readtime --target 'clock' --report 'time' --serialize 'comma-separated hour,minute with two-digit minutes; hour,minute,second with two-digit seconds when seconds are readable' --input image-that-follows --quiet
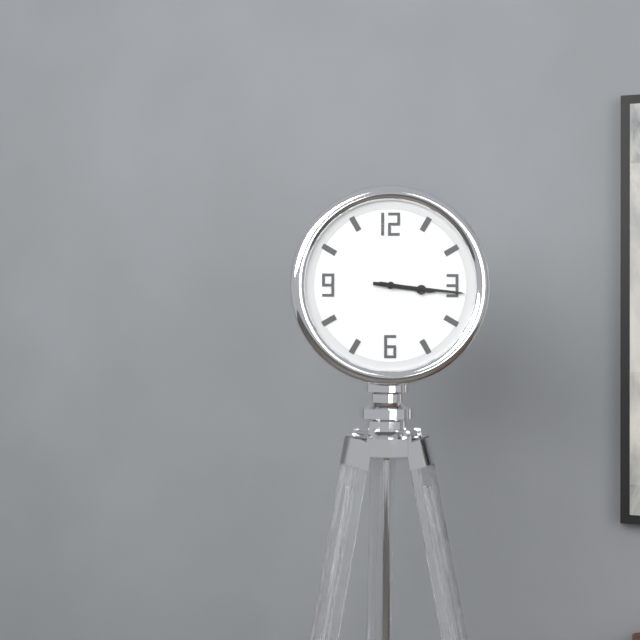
3,16
